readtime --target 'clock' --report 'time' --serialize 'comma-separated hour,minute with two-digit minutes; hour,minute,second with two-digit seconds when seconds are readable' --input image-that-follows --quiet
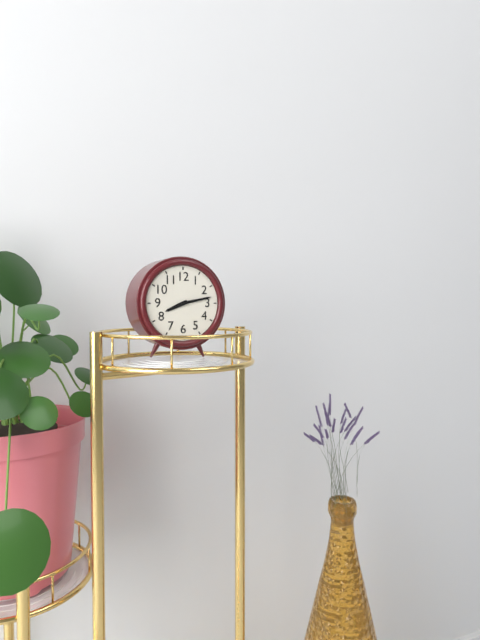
8,13
